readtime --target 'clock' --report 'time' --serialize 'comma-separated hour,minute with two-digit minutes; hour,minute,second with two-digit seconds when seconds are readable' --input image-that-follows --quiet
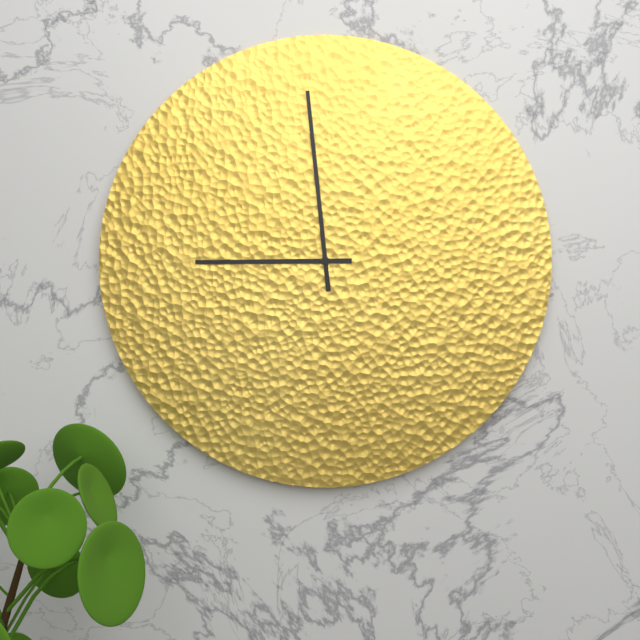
8,59
